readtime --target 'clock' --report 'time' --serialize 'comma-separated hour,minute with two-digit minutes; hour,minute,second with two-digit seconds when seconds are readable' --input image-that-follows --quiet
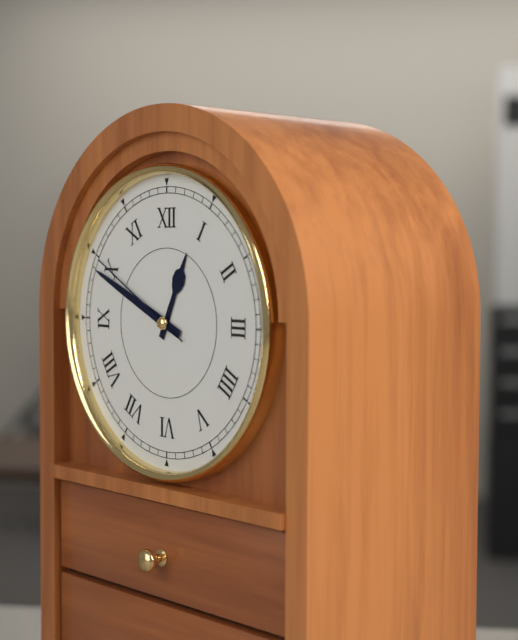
12,49,50
